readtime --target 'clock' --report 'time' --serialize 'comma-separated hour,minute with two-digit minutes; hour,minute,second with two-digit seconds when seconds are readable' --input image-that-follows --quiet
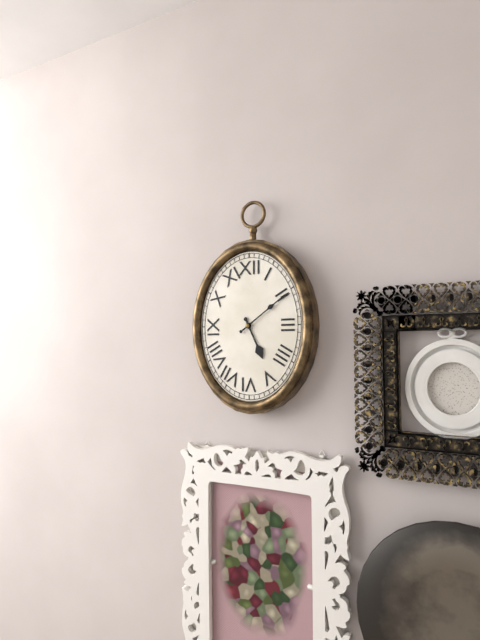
5,09
